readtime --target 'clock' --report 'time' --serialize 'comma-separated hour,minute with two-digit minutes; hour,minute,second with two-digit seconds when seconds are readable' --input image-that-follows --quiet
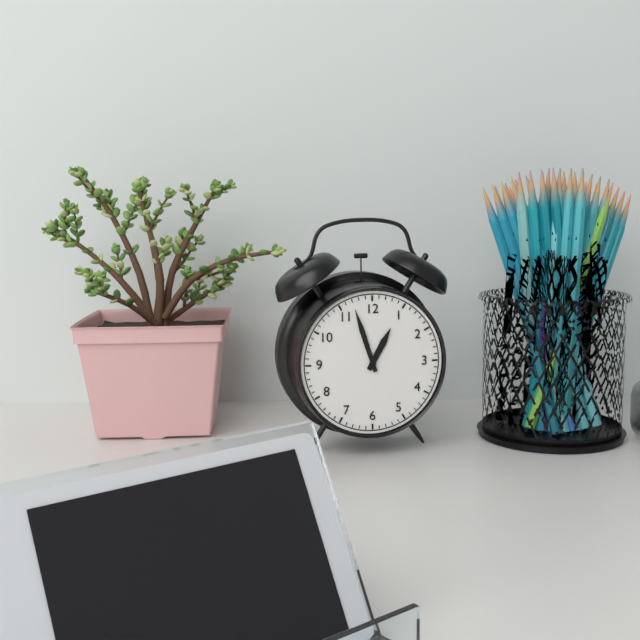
12,57
